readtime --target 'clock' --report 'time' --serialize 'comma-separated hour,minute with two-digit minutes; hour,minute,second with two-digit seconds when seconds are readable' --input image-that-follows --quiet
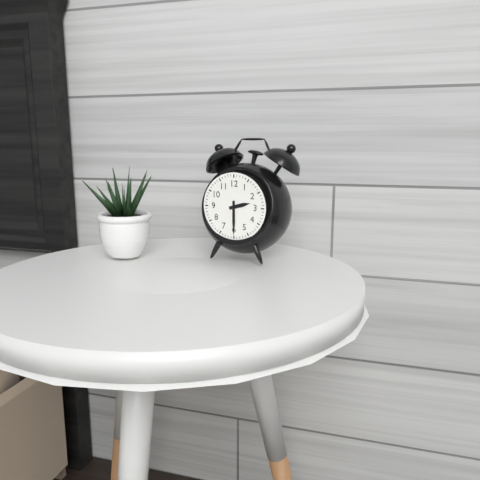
2,30
